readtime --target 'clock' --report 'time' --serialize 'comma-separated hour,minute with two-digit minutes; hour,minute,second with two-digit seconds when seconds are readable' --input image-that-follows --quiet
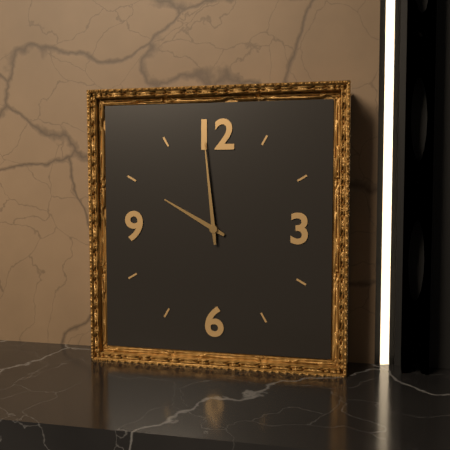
9,59
